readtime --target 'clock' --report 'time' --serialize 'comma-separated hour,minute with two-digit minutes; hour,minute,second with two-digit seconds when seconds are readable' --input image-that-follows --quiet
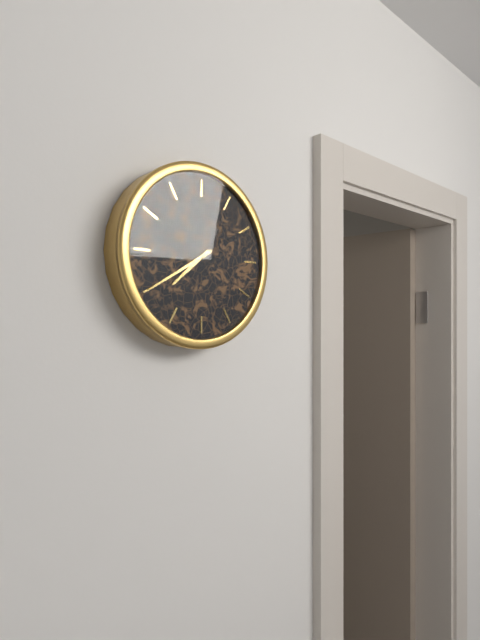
7,40
